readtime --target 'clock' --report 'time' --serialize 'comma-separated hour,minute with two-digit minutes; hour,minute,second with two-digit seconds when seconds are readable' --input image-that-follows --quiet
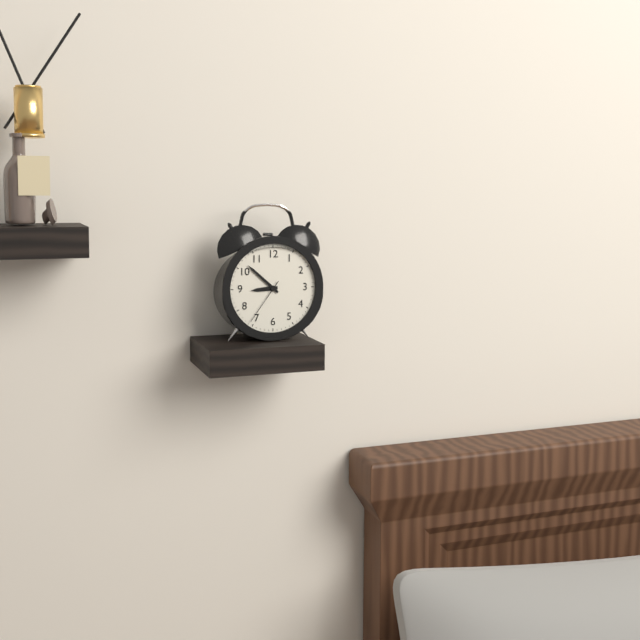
8,52,36
